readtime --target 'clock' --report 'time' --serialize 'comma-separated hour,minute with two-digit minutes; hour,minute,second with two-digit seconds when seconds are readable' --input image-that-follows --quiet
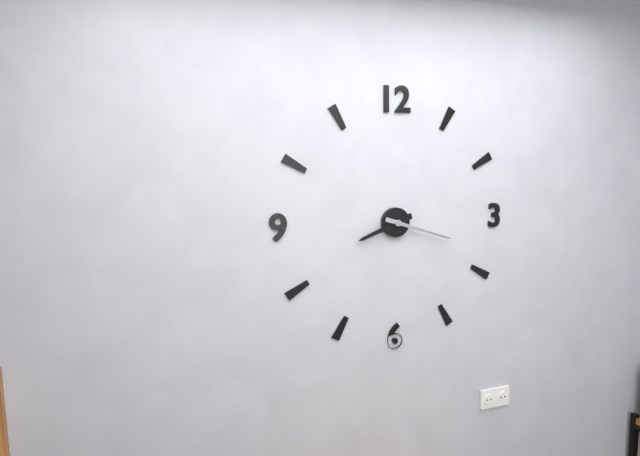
8,18
